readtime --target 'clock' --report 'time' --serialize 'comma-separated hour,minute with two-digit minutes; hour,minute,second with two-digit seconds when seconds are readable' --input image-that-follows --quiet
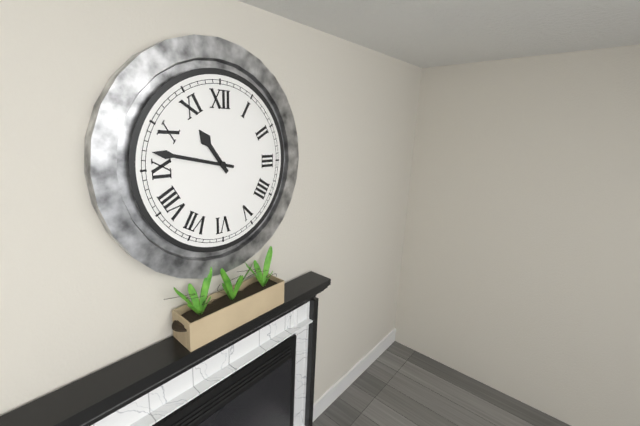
10,47
